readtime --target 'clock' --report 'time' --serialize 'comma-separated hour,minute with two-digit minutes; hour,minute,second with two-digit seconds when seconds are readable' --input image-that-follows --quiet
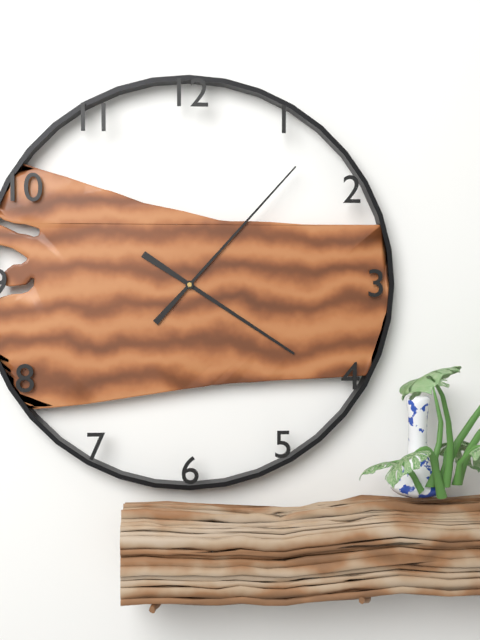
4,07
